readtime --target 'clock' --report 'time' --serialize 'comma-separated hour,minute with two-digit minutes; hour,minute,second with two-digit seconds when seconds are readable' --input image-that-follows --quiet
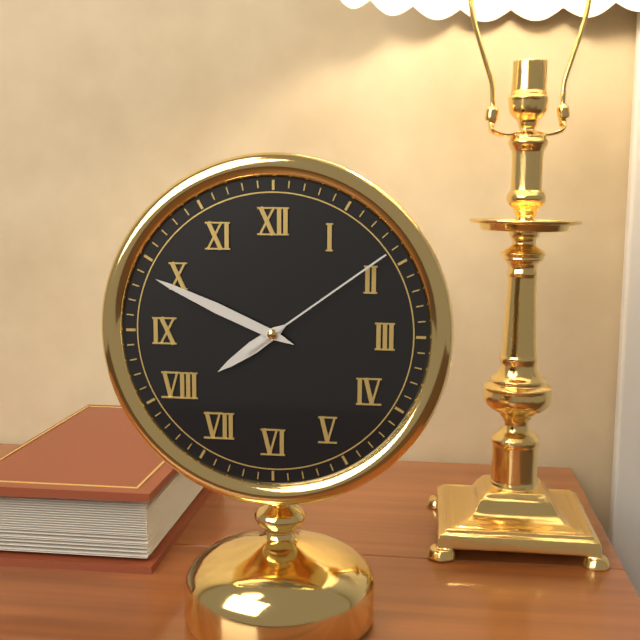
7,49,09
